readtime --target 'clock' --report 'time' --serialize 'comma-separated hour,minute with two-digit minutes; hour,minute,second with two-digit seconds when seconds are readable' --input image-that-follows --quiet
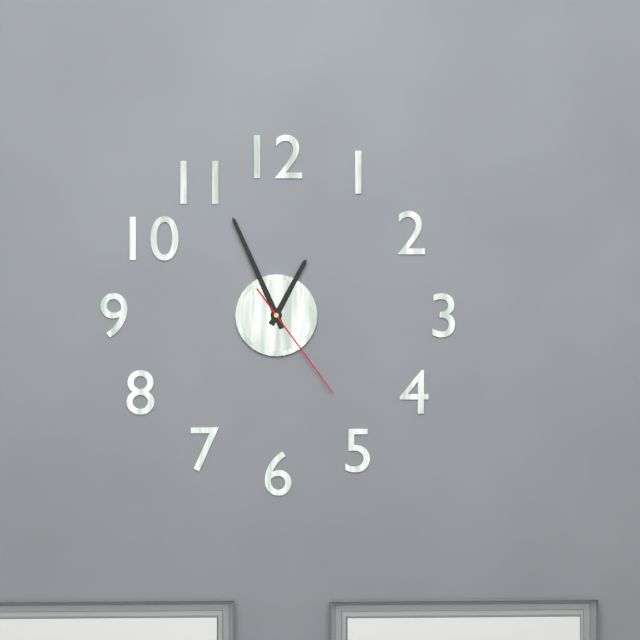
12,56,24
